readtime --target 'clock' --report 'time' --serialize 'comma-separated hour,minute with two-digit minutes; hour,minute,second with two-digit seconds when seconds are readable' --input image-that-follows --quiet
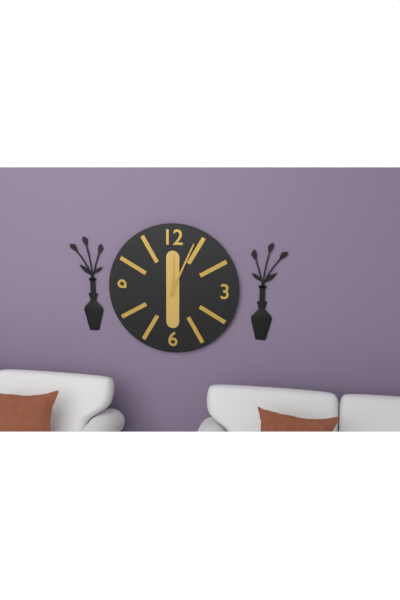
12,04
